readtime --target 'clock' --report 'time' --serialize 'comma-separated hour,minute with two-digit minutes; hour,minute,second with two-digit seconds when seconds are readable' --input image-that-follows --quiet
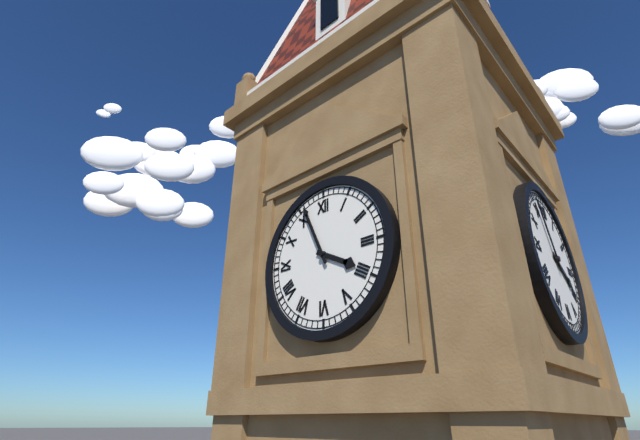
3,56
